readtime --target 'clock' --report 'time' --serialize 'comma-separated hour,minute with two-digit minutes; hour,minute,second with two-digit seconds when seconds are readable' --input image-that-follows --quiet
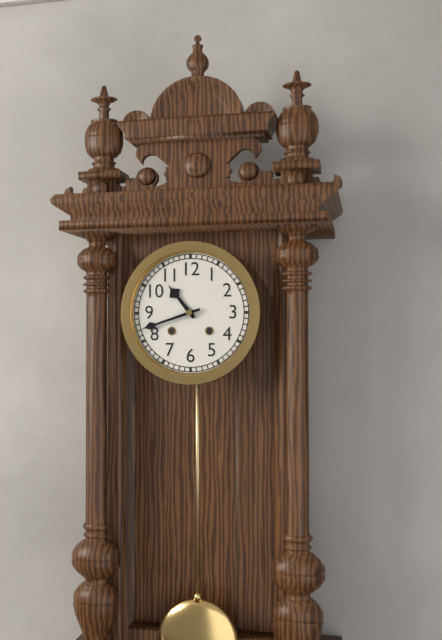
10,42
